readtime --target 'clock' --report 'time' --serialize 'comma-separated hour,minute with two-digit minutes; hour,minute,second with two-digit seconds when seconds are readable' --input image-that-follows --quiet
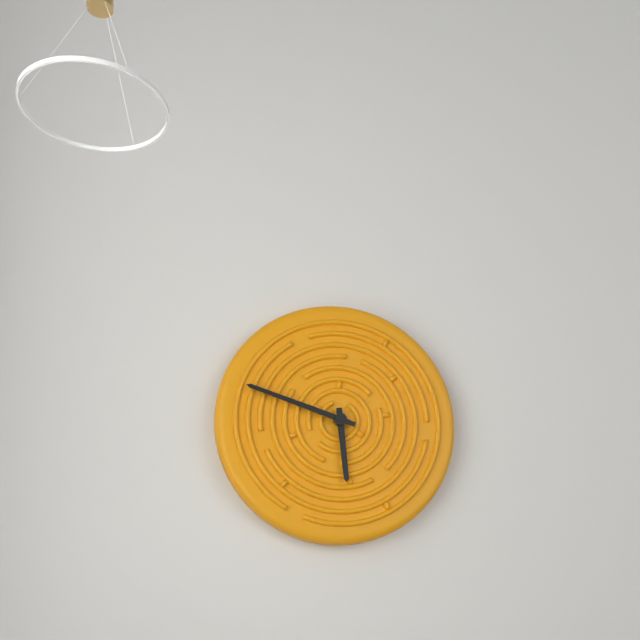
5,48
